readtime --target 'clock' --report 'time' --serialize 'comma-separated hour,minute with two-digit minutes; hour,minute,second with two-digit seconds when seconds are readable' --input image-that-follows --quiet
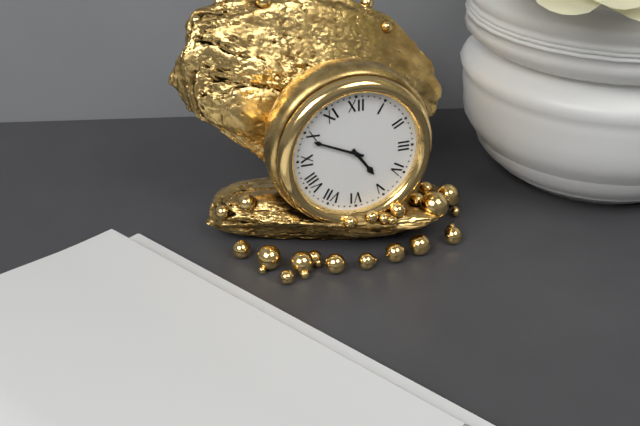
4,49
